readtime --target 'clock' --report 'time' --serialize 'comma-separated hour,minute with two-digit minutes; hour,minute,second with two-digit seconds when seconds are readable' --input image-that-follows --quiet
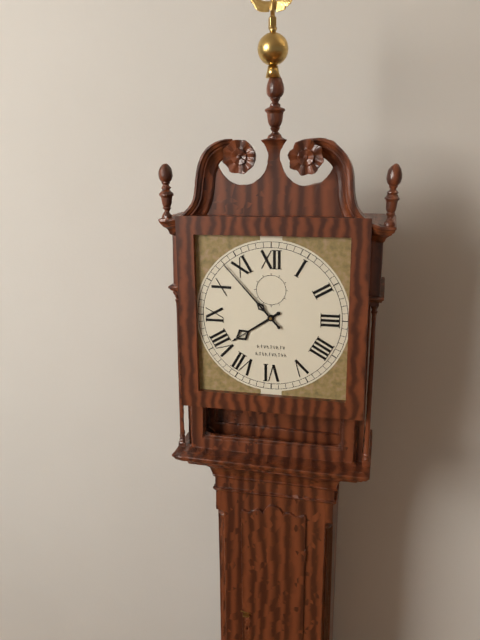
7,53
